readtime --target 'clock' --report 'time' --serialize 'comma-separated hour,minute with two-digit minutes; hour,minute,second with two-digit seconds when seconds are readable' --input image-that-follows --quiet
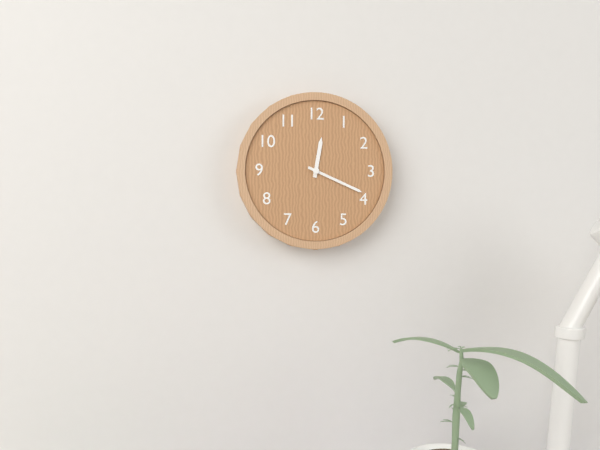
12,19
